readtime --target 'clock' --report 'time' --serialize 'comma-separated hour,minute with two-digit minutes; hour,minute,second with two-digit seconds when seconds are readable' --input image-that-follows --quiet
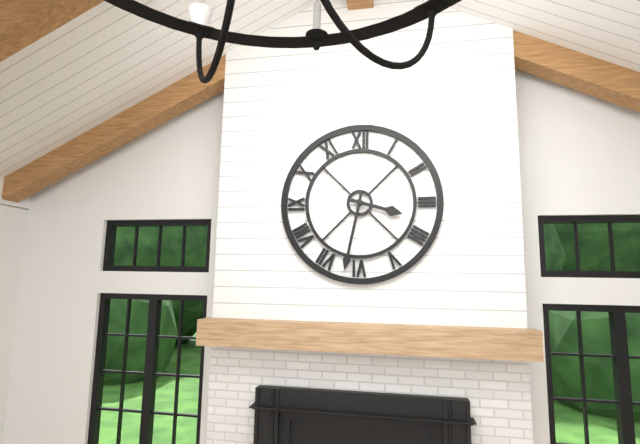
3,32
